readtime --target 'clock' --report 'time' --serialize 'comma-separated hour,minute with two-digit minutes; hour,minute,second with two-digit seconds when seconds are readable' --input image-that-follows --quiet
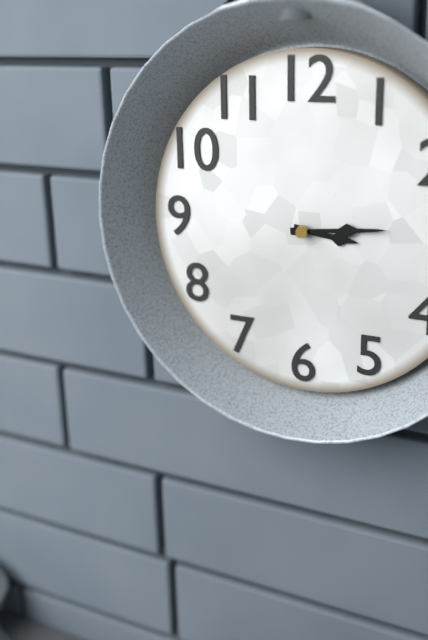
3,14
